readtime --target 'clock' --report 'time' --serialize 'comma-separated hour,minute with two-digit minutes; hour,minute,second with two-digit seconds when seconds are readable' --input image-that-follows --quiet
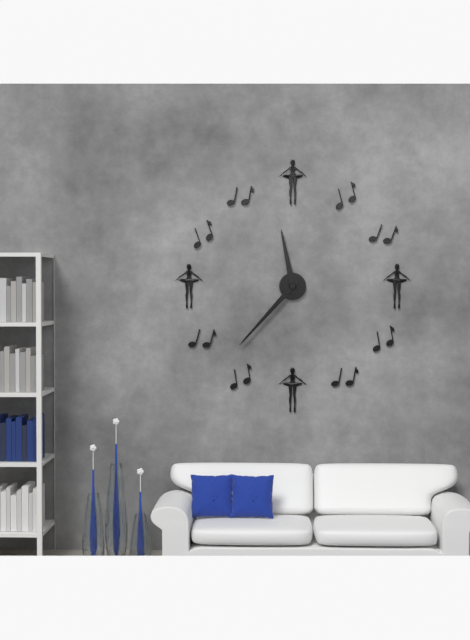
11,37
